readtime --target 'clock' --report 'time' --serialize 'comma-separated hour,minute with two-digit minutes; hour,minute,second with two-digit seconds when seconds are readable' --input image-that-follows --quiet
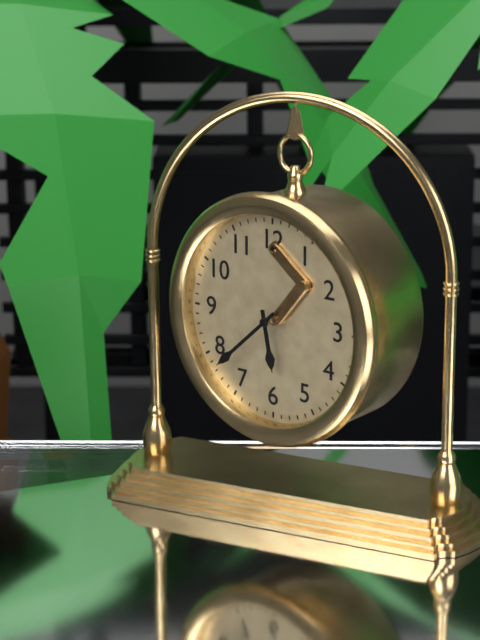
5,38
